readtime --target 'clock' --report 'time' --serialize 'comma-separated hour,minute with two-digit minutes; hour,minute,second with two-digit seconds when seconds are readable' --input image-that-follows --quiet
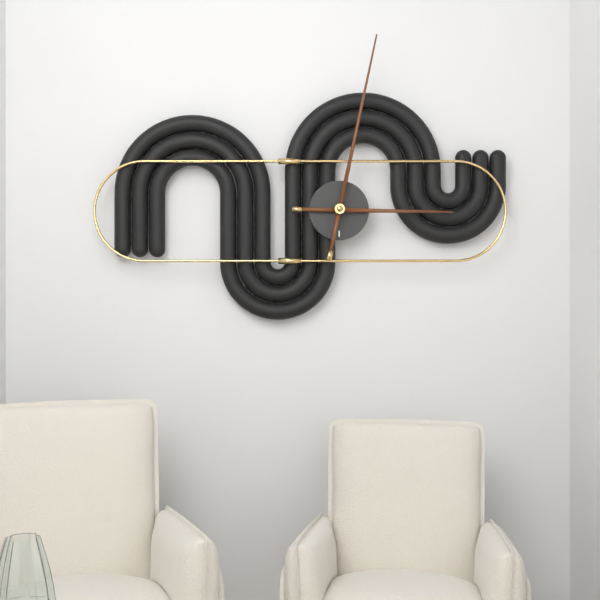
3,02
